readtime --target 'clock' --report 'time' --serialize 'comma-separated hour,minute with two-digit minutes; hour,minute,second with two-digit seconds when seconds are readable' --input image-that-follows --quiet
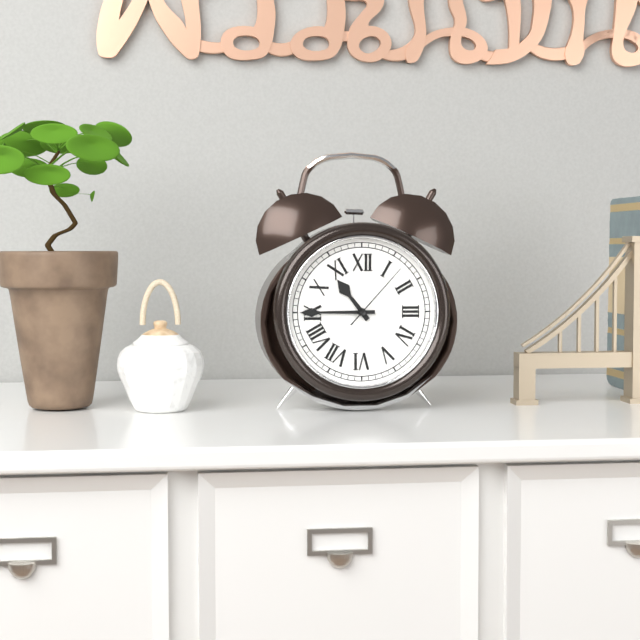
10,45,07
